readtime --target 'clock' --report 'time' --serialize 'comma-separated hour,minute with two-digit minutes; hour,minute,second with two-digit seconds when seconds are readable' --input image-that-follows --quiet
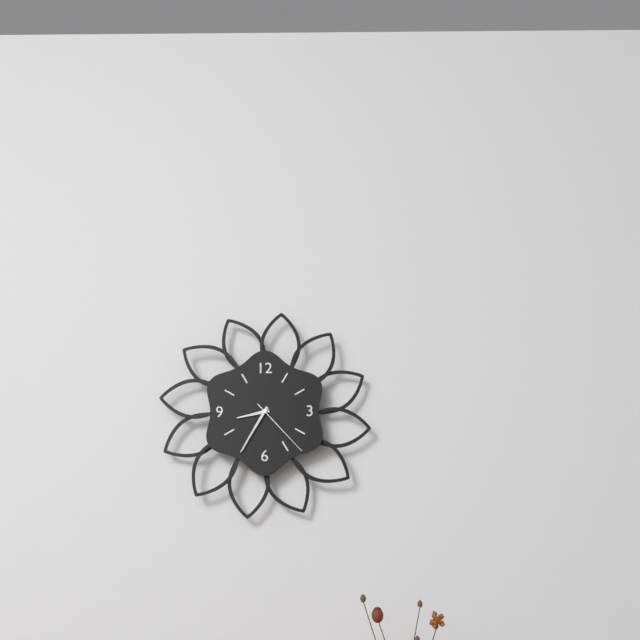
8,35,23
